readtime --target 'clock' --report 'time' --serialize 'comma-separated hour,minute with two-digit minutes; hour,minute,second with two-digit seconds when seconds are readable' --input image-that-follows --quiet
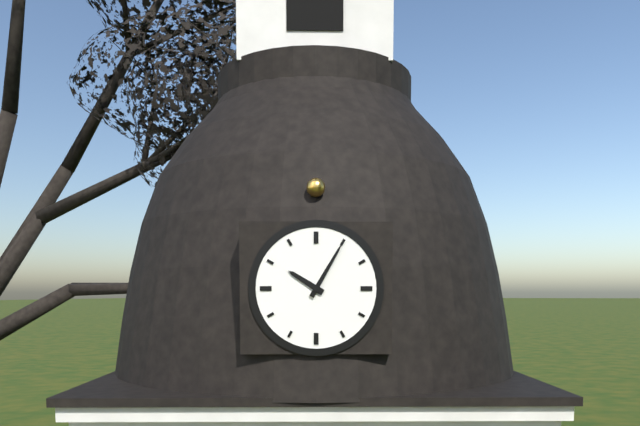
10,05
